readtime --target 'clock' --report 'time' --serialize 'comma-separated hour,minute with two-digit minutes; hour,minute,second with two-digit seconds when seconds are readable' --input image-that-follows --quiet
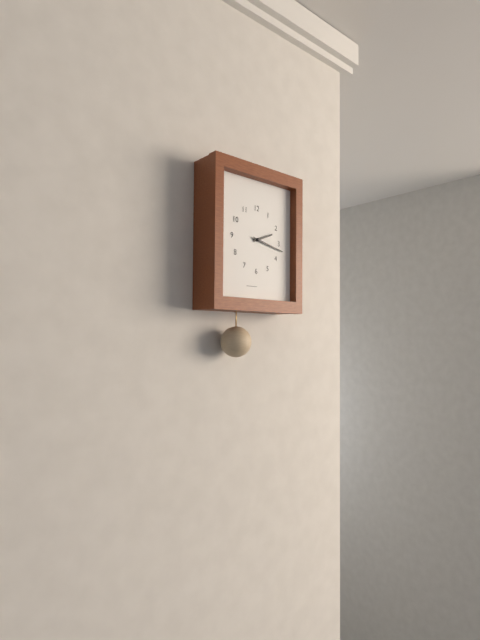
2,17
